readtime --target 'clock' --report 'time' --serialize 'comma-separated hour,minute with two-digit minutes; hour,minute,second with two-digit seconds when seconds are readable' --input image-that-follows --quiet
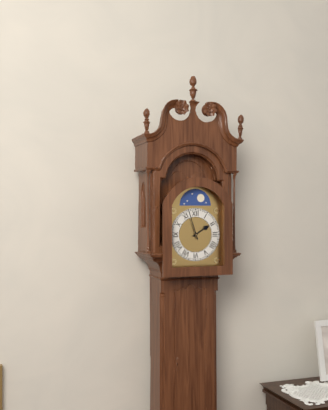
1,57
